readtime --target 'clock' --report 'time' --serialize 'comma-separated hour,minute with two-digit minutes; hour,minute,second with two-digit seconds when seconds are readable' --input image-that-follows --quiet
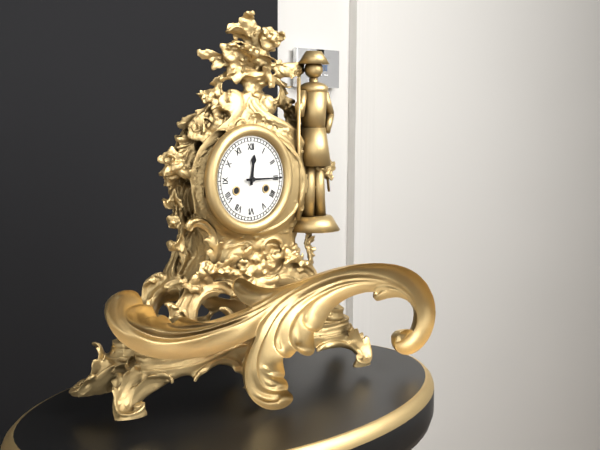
12,15
